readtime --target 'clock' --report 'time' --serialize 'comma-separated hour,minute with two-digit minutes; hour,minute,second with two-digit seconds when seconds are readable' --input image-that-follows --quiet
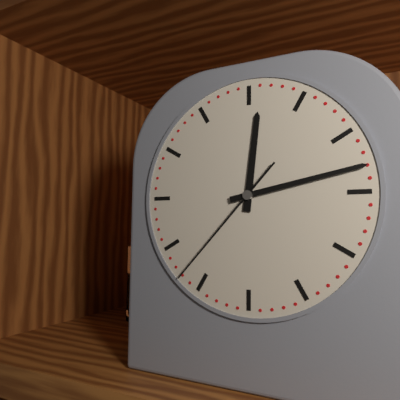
12,13,37
